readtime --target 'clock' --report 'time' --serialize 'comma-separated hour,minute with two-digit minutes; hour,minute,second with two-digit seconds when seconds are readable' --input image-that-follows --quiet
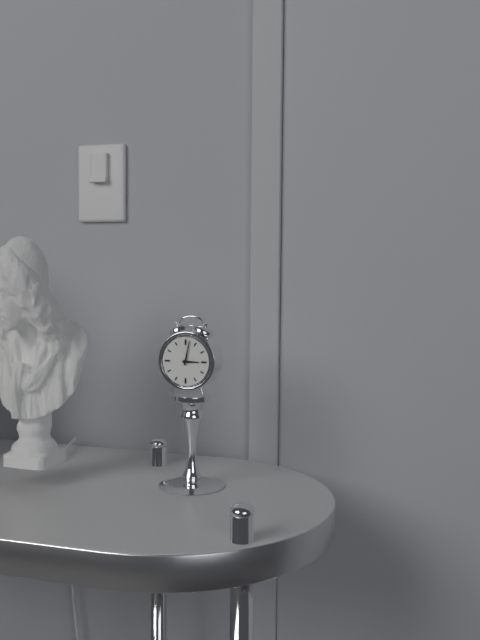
3,02
